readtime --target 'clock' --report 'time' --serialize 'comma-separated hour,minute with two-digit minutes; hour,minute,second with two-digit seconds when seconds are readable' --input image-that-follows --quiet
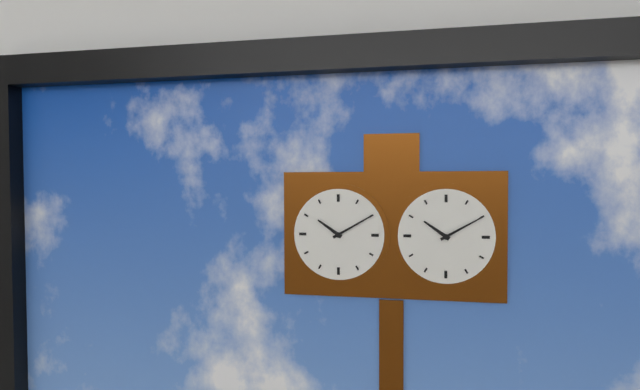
10,10
